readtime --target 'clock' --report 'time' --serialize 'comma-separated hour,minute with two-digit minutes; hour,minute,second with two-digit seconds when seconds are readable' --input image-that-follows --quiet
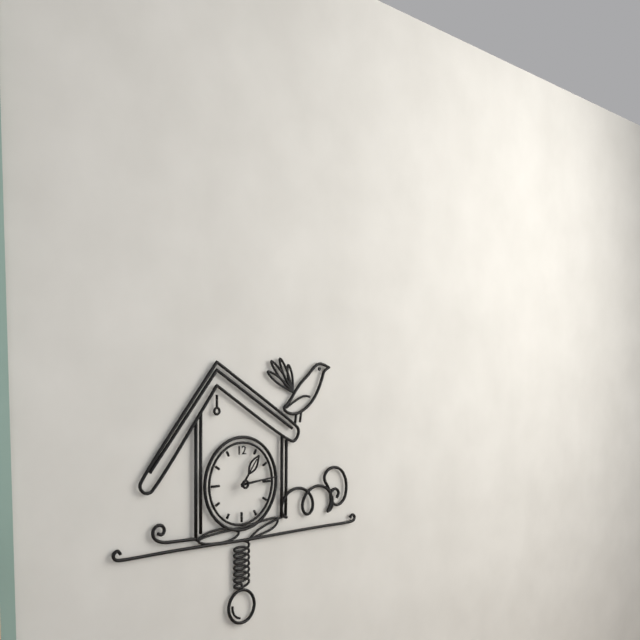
1,14
